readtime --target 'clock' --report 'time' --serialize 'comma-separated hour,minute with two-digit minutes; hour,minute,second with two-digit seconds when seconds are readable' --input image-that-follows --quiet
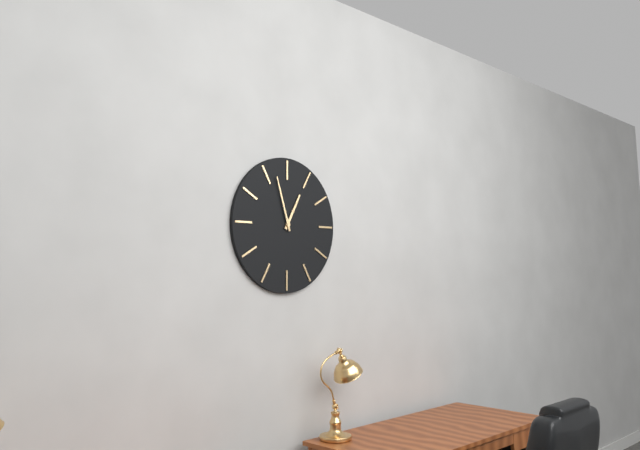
12,57
